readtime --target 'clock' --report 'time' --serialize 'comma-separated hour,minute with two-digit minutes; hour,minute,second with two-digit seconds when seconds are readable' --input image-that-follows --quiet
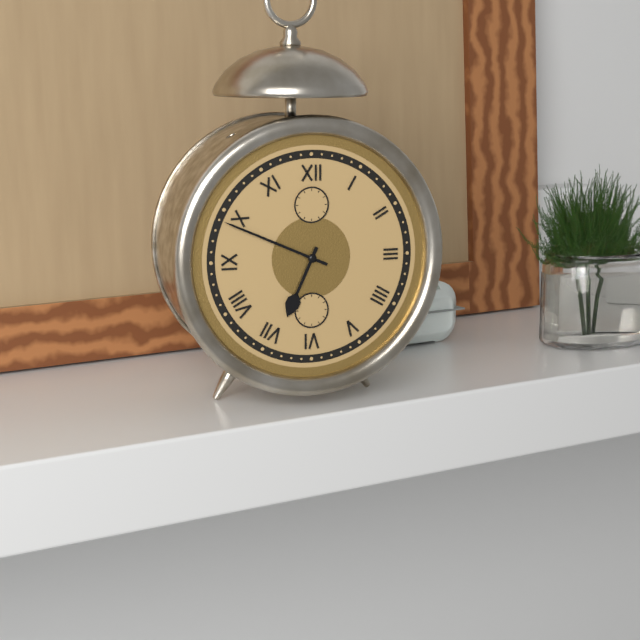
6,49
